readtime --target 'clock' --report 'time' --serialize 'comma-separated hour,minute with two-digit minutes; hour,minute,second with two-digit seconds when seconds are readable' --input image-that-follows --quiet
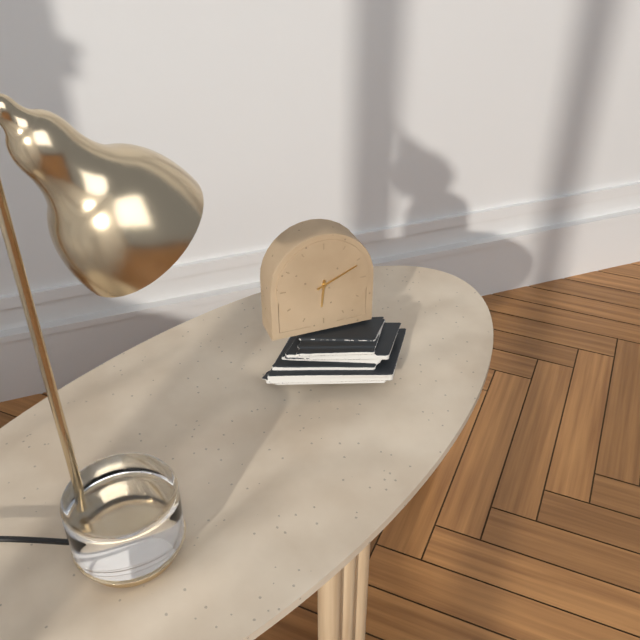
6,11
